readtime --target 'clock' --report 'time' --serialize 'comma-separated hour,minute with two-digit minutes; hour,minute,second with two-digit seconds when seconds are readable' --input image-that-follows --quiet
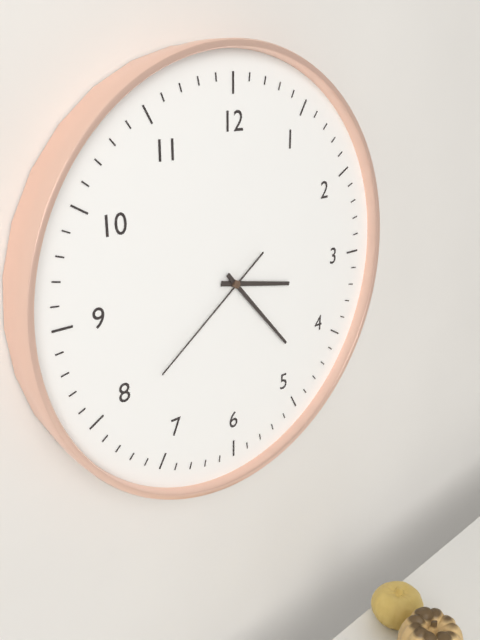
3,23,39
